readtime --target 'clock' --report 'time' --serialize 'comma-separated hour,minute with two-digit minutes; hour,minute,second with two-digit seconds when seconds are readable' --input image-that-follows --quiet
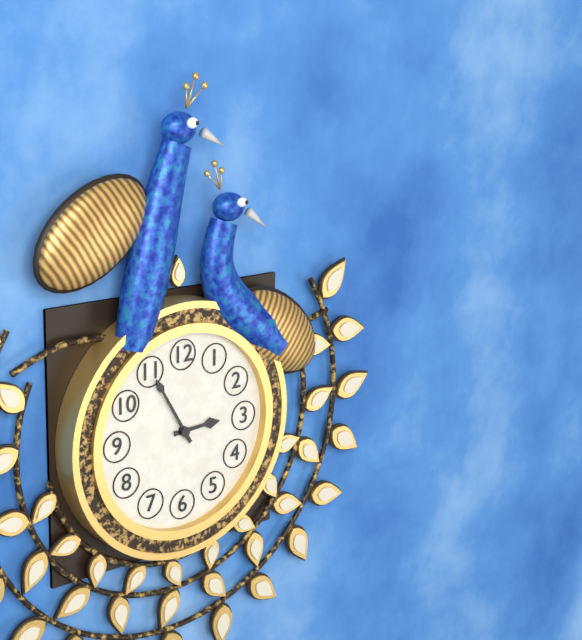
2,55
